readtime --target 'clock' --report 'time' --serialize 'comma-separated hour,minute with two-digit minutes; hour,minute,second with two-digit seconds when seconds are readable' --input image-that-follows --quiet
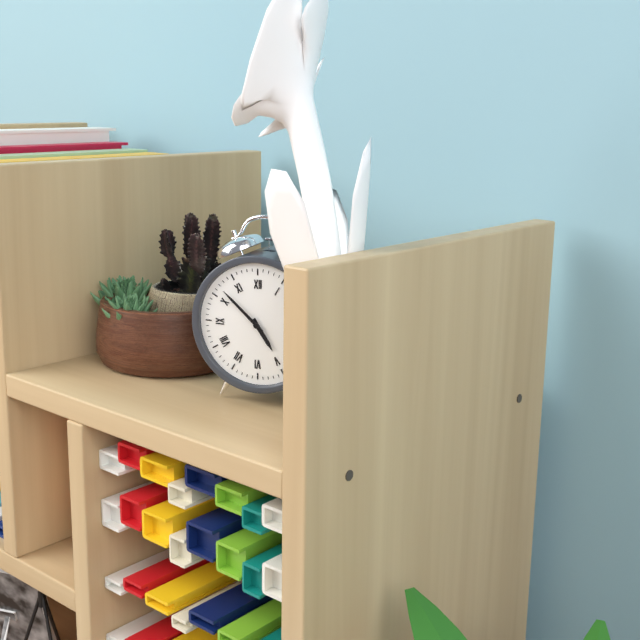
4,52
